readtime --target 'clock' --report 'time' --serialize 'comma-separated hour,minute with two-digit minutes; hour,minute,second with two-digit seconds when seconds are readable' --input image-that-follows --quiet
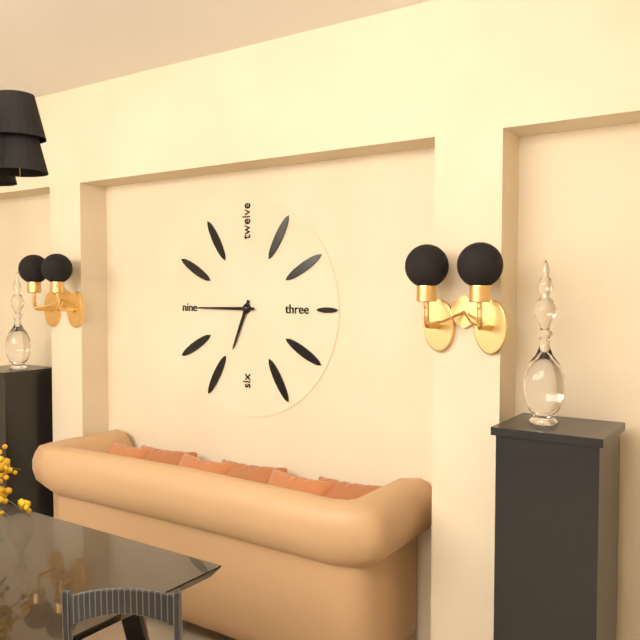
6,45
